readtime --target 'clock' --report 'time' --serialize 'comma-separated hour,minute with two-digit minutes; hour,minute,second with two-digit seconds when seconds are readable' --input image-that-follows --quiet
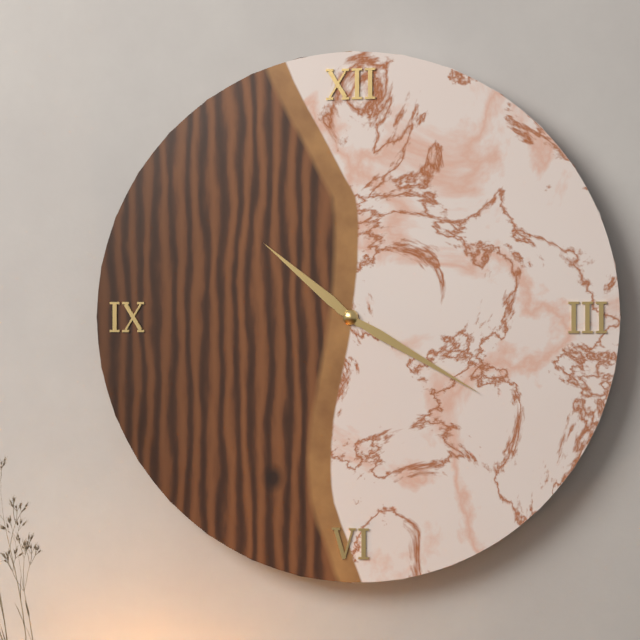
10,20
